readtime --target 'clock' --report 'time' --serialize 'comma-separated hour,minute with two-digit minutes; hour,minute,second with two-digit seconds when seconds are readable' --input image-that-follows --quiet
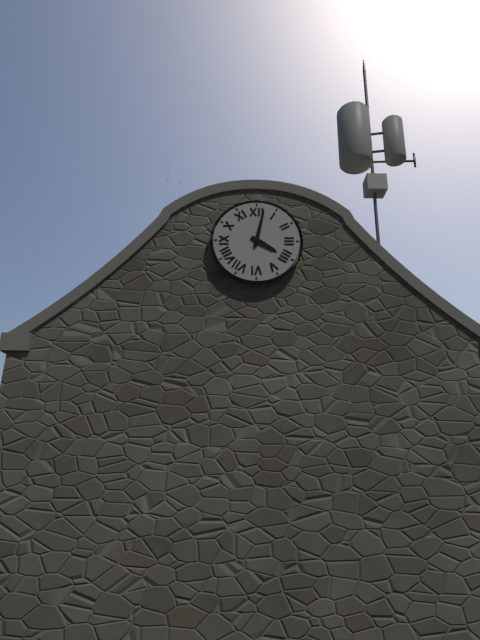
4,02
